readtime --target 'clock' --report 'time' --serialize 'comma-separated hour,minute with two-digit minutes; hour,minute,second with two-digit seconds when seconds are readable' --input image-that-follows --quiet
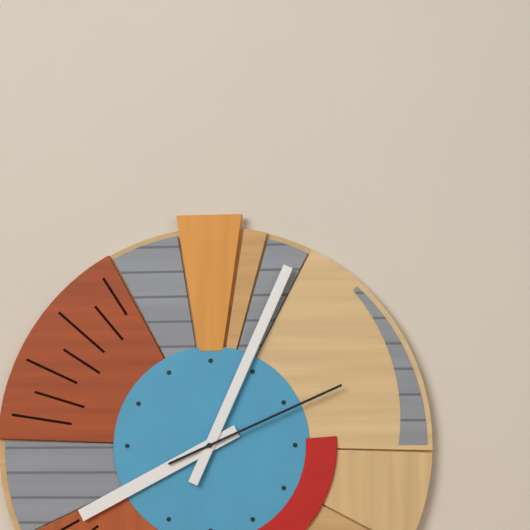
8,04,11
